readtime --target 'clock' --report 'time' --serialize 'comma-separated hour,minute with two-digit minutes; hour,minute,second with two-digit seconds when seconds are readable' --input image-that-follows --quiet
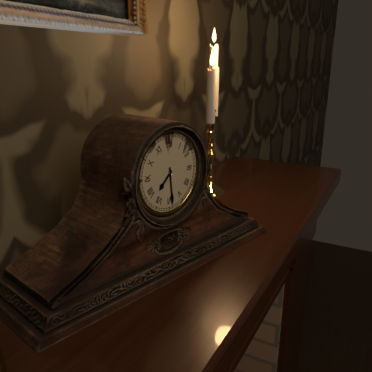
7,29
